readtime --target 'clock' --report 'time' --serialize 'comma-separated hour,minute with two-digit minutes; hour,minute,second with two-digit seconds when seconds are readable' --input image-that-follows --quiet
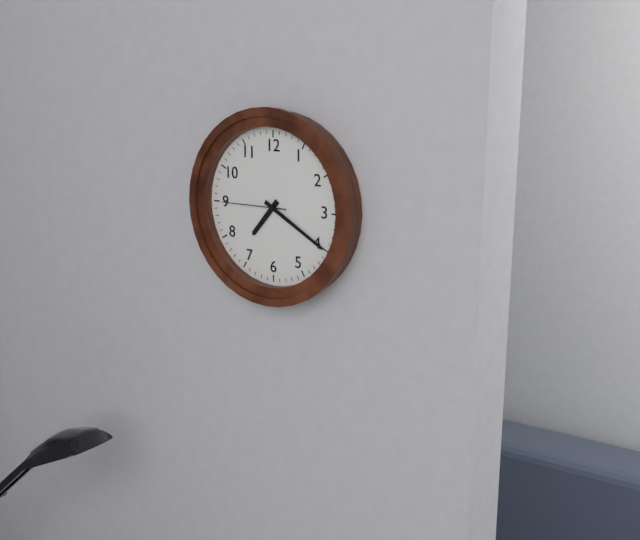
7,20,45
